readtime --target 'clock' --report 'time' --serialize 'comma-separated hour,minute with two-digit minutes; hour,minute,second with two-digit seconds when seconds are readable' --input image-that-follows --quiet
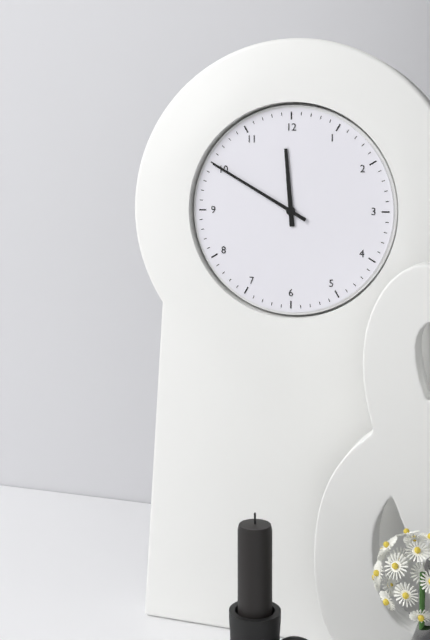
11,50
